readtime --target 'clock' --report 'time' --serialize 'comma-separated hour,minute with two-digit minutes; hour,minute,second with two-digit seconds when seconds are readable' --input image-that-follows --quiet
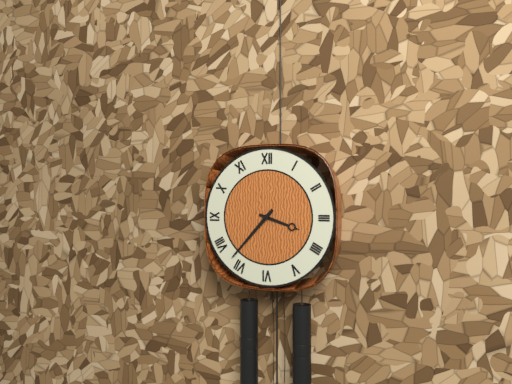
3,37
